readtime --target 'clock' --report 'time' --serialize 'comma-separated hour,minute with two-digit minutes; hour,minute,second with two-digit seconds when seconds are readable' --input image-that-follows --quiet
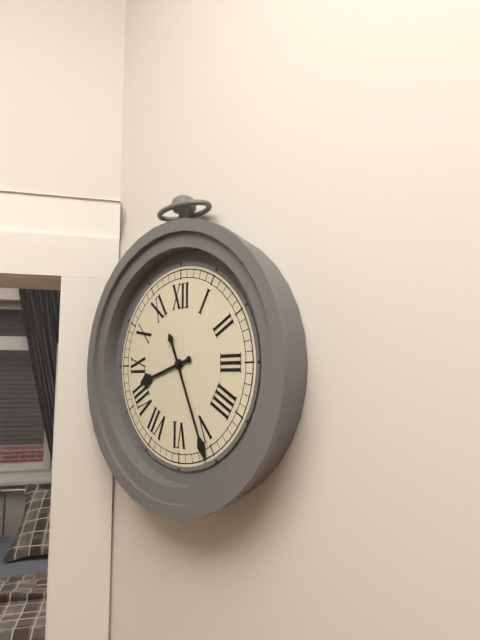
8,26
